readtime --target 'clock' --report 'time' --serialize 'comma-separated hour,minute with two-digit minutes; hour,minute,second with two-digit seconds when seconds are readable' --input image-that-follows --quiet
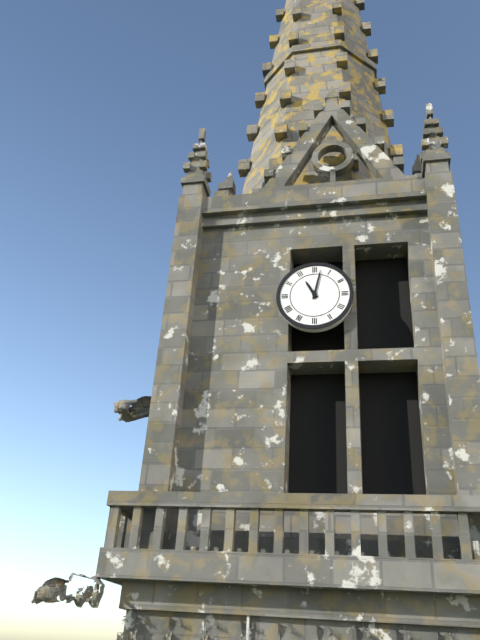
11,02
